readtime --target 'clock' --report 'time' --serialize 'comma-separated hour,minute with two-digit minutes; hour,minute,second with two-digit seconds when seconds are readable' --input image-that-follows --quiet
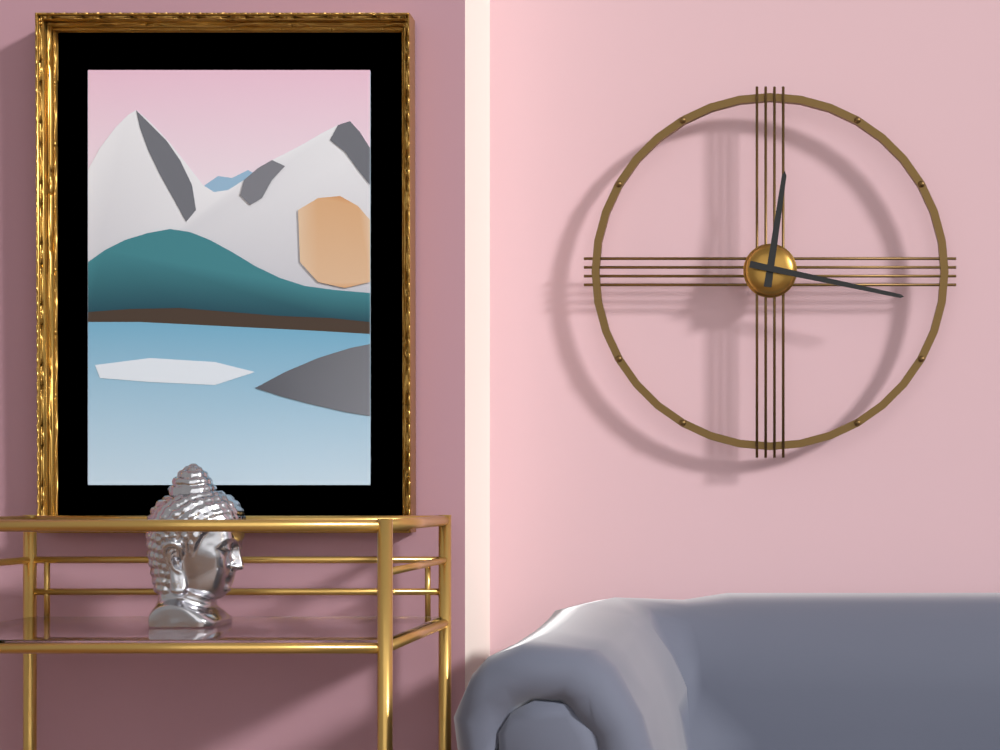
12,17
